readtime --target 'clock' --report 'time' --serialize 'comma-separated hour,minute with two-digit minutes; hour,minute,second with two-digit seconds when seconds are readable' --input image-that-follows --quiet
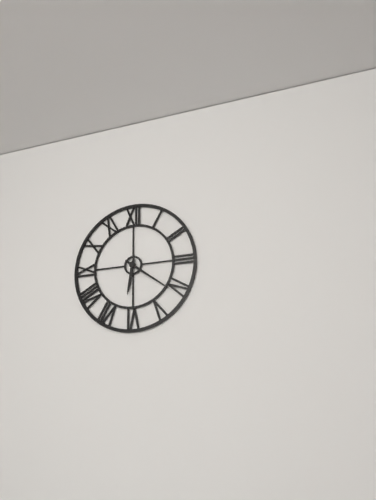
6,21
